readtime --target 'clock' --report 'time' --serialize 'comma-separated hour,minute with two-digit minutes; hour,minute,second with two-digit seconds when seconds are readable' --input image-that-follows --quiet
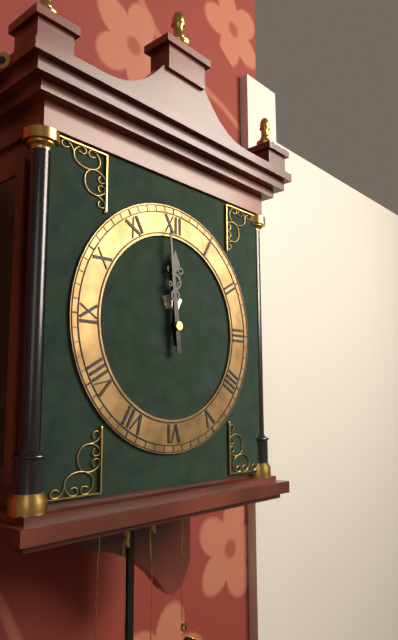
11,59
